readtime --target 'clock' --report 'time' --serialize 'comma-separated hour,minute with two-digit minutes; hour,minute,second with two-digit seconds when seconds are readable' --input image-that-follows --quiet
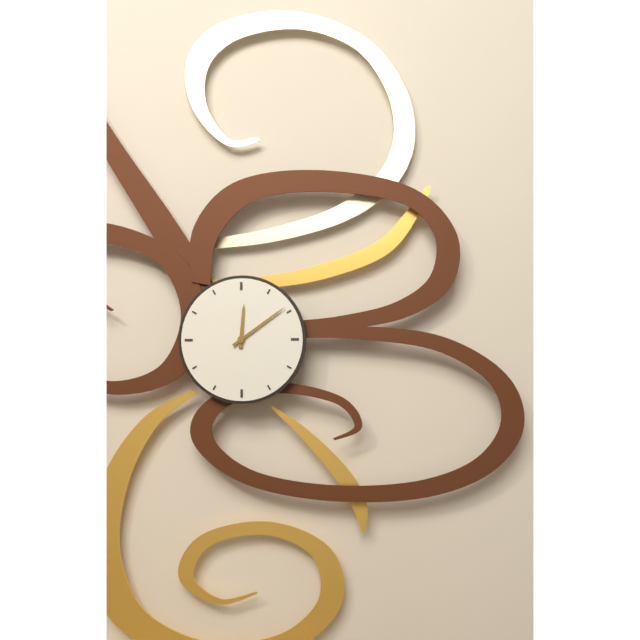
12,09
